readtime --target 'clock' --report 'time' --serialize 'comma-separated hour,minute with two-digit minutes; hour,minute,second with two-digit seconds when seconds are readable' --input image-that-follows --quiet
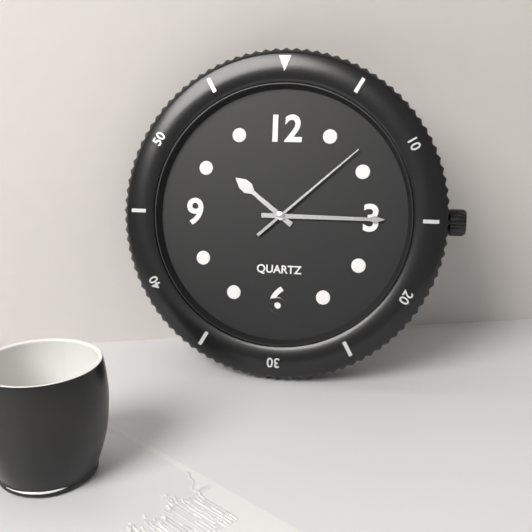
10,15,08
